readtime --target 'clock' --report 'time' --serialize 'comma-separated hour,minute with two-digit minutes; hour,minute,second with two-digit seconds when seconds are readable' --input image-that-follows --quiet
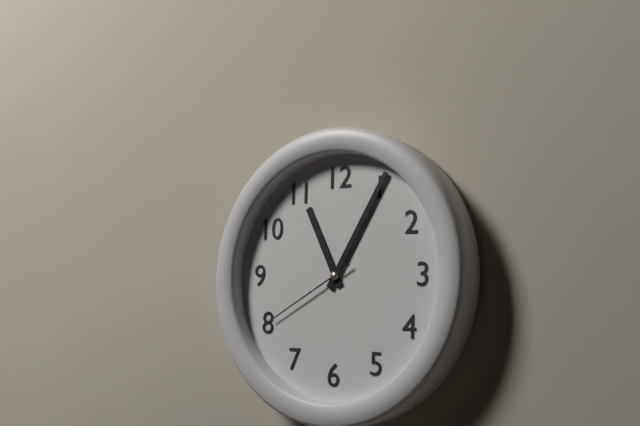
11,05,40
